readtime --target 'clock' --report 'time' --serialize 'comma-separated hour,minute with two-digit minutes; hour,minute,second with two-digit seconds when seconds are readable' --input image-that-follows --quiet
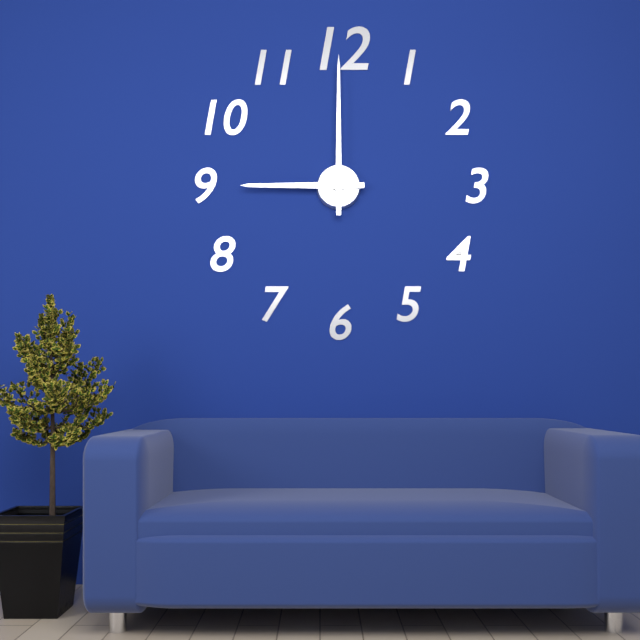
9,00
